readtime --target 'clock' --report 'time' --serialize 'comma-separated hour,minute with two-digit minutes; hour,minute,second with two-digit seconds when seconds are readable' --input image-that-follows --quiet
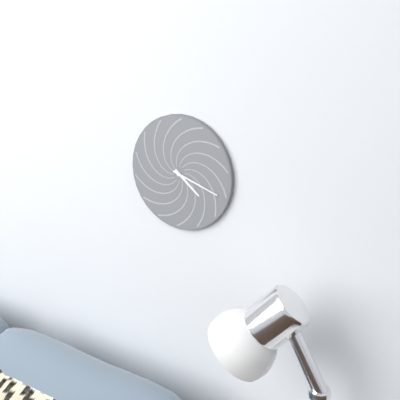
4,18
